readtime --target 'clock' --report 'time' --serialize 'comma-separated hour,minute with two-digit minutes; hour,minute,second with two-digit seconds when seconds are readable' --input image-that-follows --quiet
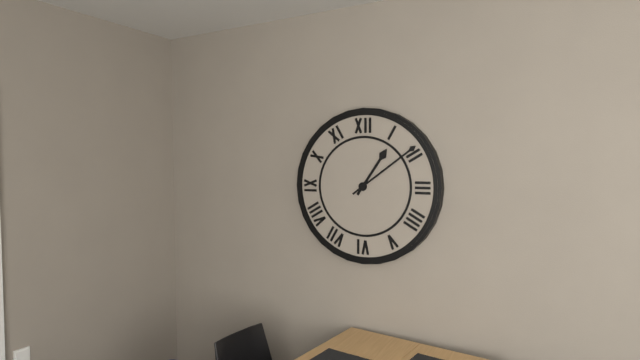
1,09
